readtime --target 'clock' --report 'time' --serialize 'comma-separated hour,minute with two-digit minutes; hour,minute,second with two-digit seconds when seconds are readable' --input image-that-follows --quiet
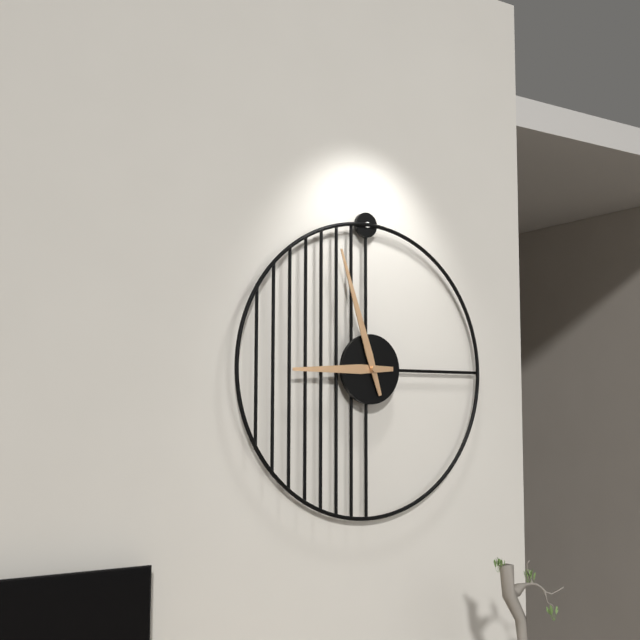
8,57
